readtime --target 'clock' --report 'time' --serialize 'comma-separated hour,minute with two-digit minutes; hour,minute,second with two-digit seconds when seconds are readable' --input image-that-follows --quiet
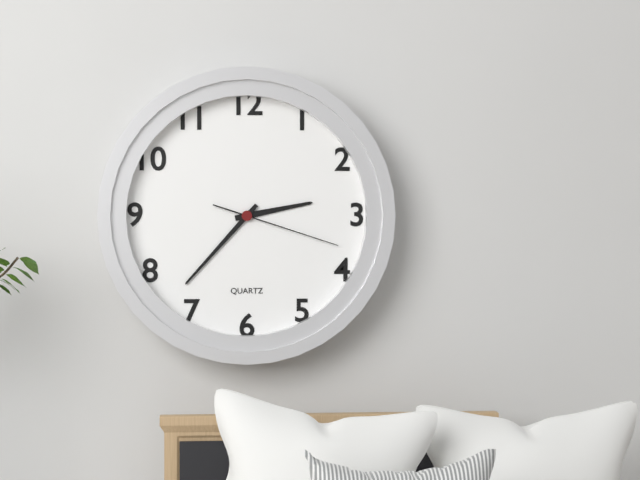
2,37,18
